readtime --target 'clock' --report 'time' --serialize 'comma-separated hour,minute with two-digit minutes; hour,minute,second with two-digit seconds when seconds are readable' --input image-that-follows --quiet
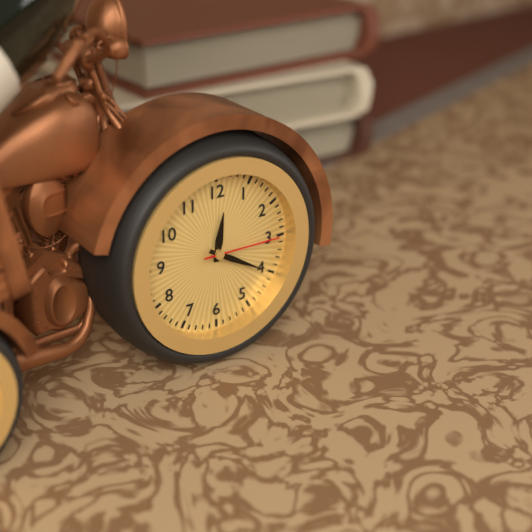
12,20,15
